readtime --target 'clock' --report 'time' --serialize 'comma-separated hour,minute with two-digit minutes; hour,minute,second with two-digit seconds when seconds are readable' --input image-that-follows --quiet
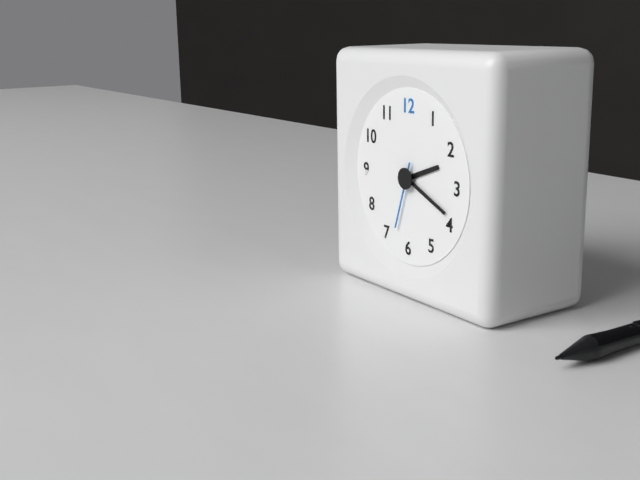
2,19,33
